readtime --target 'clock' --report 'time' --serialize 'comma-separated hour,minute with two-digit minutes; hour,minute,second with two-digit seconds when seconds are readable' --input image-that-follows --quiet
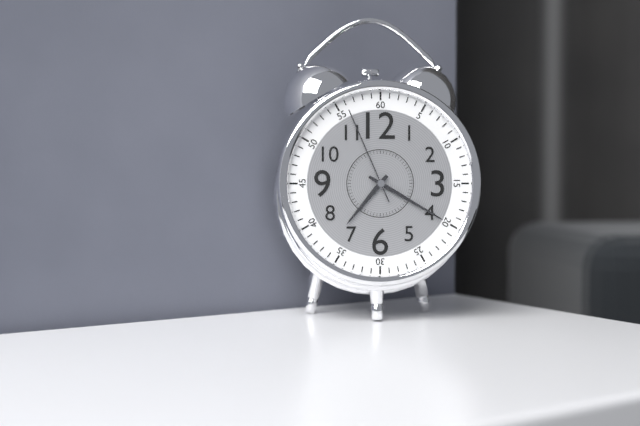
7,20,56
